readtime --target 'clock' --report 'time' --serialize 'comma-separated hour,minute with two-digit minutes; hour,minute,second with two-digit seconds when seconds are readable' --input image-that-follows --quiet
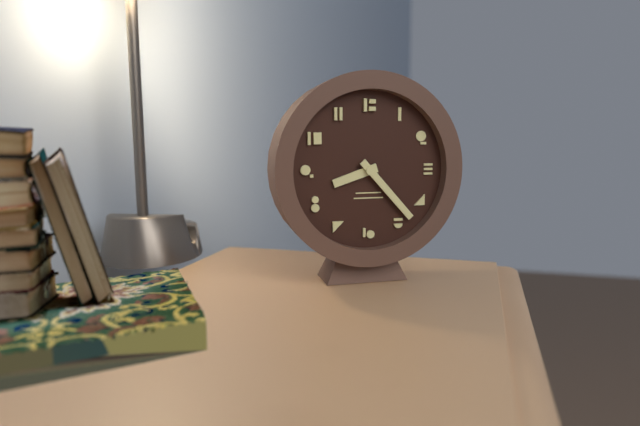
8,23
